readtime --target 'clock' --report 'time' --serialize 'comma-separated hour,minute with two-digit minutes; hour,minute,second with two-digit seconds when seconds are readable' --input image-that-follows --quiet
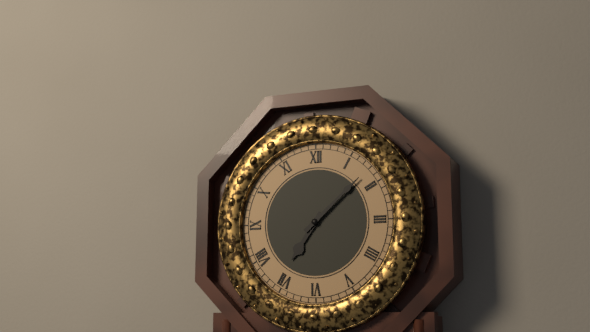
7,08
